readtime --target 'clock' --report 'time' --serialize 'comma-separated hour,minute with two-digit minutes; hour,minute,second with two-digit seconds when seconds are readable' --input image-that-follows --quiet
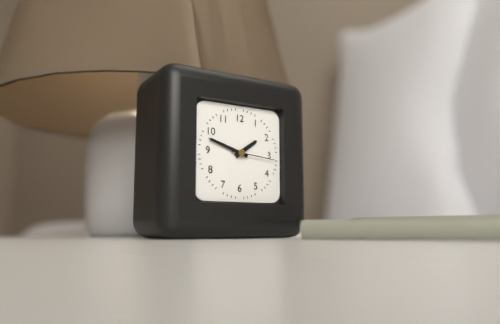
1,48
